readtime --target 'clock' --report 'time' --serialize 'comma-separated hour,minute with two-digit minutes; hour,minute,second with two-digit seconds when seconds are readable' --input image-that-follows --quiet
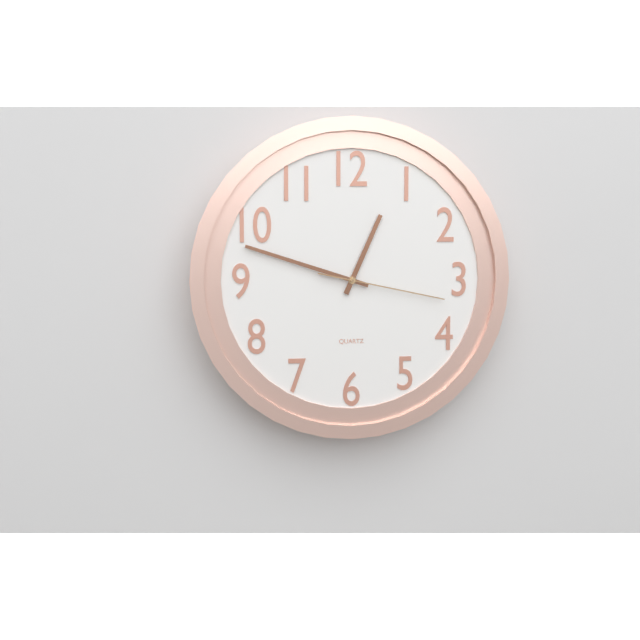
12,48,17
